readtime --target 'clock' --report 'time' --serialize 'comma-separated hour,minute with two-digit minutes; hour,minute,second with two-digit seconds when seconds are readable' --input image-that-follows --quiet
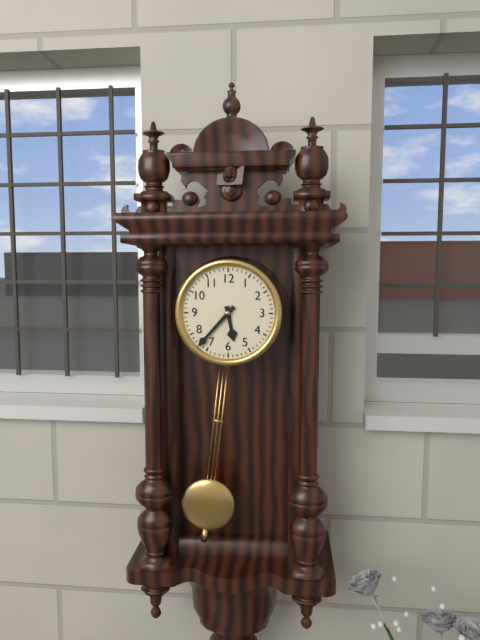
5,37
